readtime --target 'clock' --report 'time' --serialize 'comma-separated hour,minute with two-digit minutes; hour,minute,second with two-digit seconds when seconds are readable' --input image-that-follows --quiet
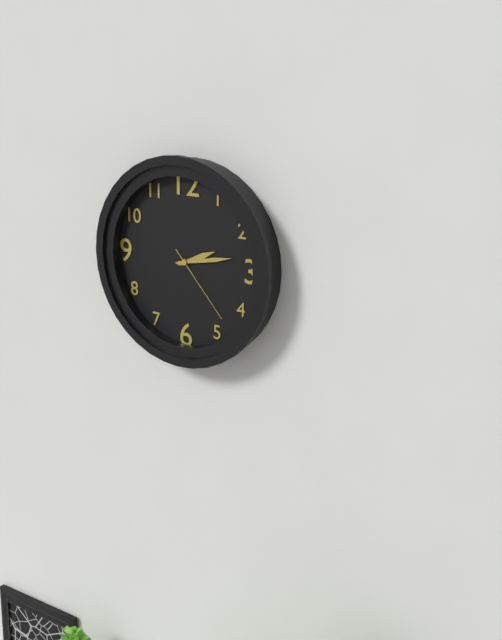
2,13,23
